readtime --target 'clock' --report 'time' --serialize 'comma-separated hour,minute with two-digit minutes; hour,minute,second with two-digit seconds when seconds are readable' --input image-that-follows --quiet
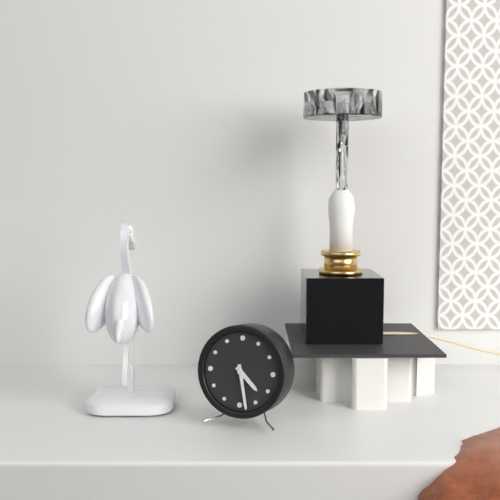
4,28
